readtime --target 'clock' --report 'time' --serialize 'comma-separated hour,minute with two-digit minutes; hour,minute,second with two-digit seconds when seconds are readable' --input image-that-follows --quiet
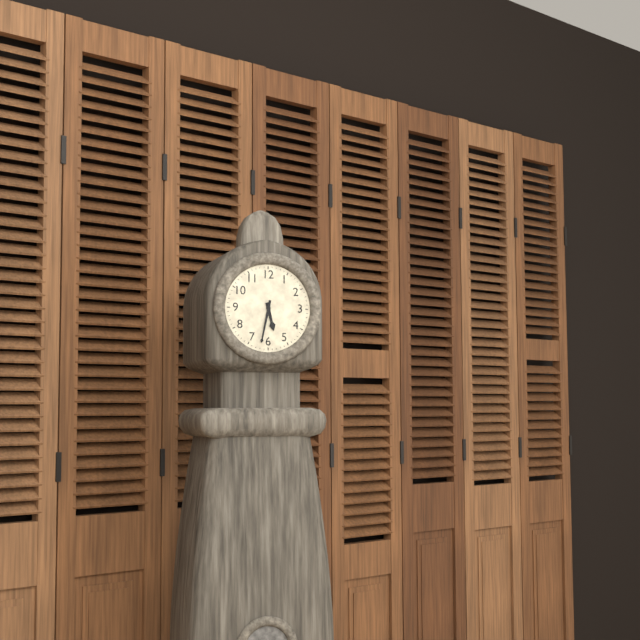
5,32
